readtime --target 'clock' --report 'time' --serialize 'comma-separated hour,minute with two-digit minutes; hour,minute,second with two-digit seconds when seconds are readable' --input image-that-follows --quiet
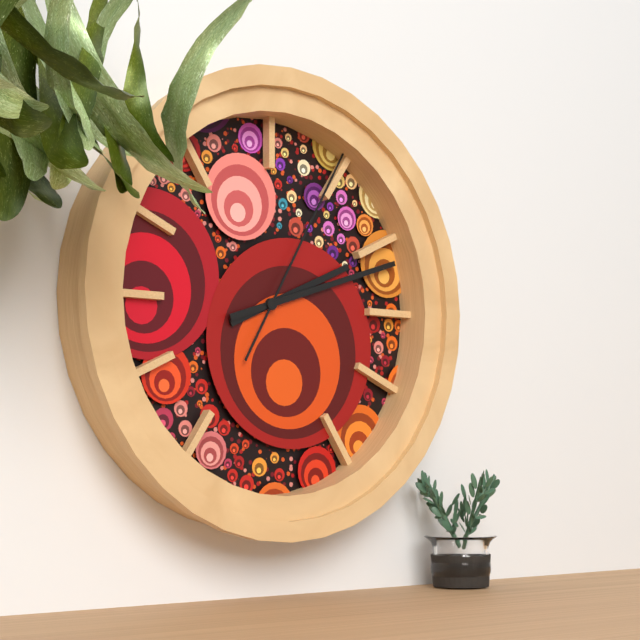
2,12,05
